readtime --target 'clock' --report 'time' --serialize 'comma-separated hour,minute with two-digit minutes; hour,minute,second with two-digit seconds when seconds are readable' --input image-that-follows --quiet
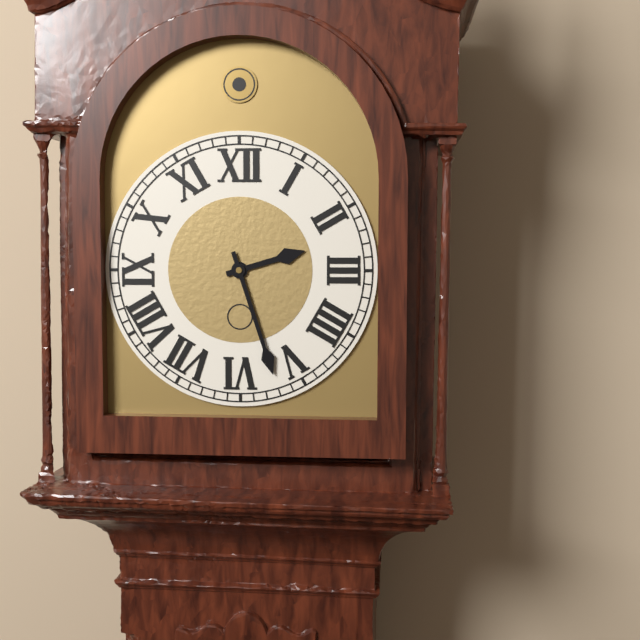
2,27
